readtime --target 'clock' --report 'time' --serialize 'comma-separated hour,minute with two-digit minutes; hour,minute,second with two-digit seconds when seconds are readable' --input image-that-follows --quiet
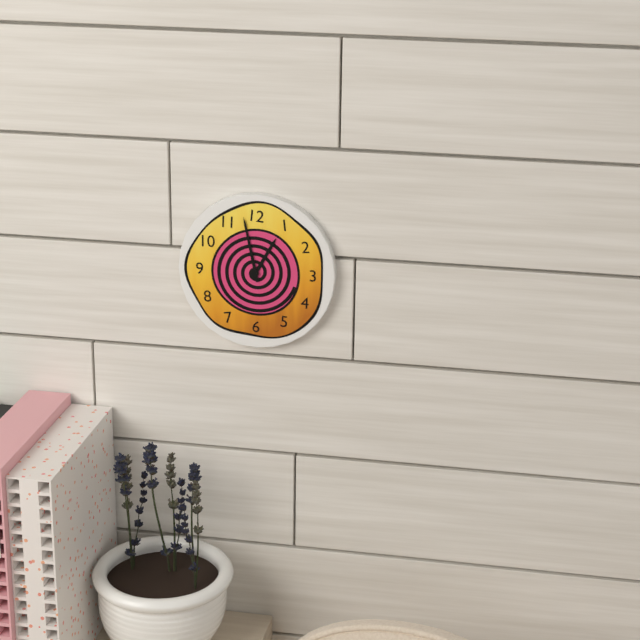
12,58
